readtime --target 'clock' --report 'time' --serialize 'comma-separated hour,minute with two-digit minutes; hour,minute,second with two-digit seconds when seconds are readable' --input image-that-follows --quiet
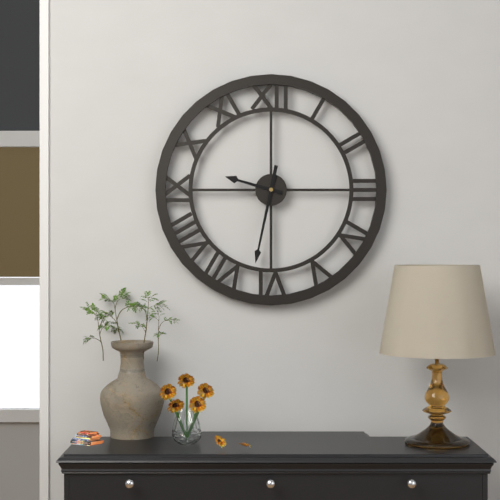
9,32
